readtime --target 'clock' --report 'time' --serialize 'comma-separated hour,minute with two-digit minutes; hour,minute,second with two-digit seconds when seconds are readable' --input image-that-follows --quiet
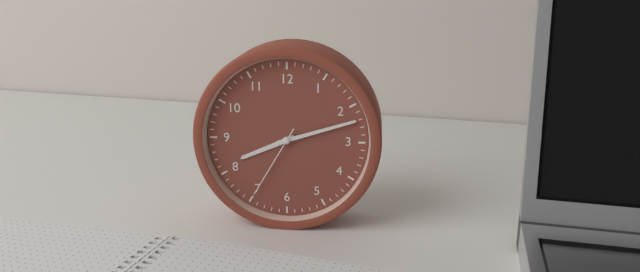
8,12,35
